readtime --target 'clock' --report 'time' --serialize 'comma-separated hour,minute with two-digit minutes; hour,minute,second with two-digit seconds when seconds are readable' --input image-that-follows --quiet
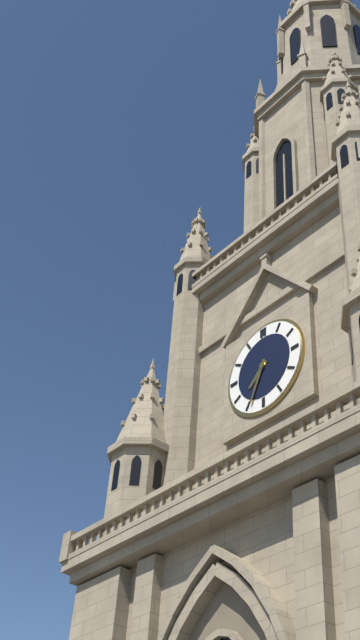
7,34
